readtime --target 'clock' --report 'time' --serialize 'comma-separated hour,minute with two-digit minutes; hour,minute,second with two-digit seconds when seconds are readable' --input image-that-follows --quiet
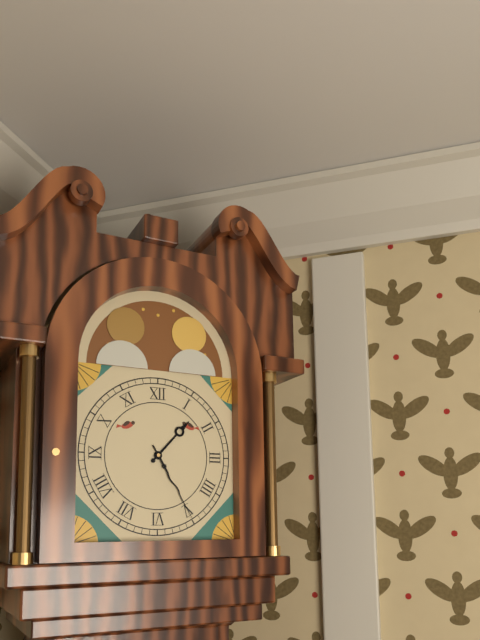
1,25
